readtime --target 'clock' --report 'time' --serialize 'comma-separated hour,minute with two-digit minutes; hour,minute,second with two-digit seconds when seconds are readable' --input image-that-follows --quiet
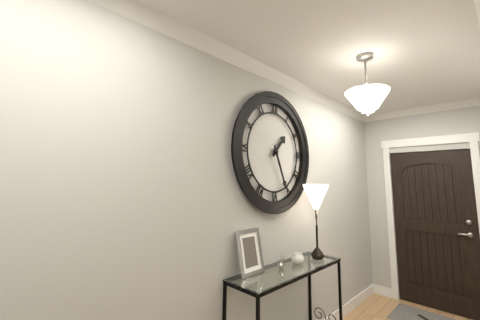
1,26
